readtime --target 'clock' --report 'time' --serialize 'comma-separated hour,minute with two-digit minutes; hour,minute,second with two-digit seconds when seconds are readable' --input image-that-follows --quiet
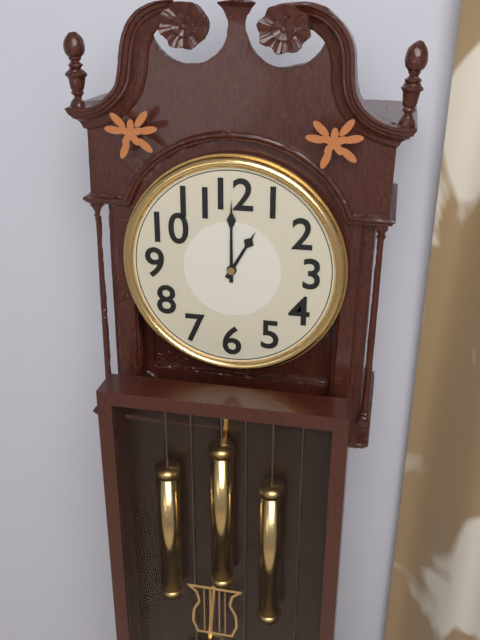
1,00
